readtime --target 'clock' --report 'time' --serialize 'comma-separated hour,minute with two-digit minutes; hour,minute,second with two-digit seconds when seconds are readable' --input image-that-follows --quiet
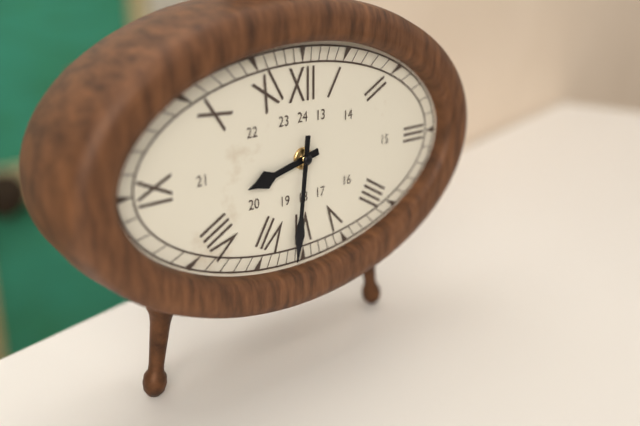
8,31
